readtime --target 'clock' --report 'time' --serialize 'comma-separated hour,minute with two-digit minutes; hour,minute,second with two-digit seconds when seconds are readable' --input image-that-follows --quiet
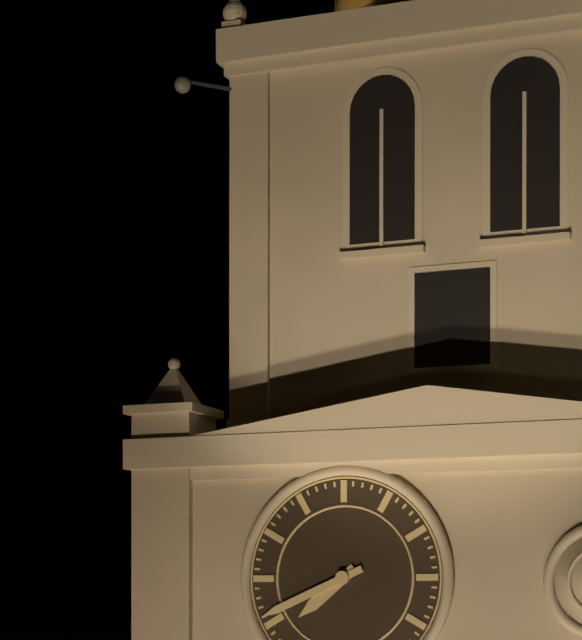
7,41
